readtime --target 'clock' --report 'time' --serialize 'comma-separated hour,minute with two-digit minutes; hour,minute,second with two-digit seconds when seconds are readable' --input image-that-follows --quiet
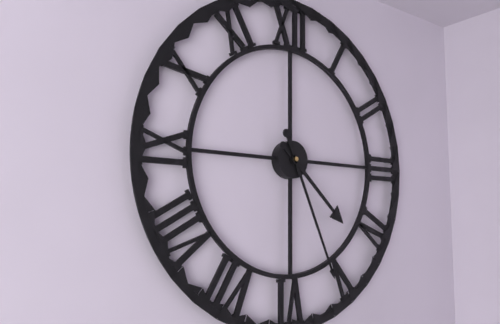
4,26
